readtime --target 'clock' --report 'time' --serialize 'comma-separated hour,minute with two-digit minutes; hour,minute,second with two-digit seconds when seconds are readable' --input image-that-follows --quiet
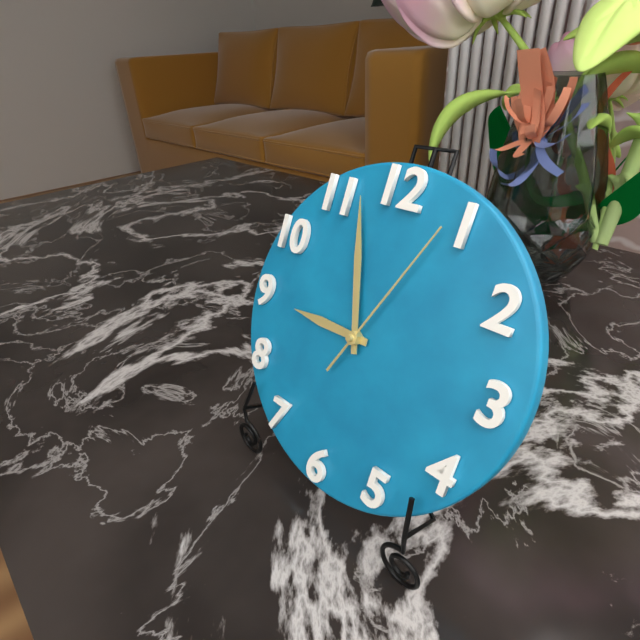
8,57,04
